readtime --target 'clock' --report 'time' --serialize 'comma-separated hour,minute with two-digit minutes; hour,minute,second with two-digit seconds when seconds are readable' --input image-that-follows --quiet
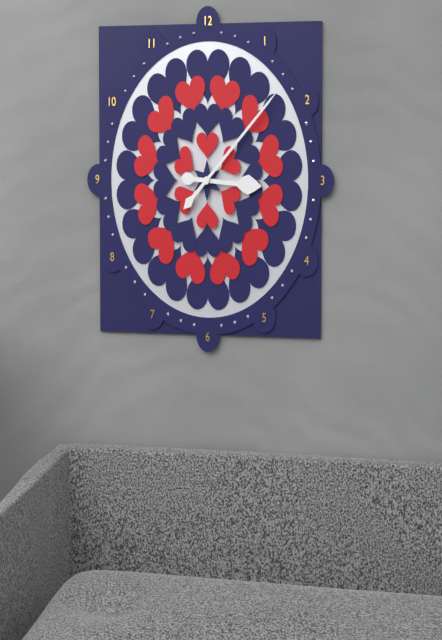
3,08
